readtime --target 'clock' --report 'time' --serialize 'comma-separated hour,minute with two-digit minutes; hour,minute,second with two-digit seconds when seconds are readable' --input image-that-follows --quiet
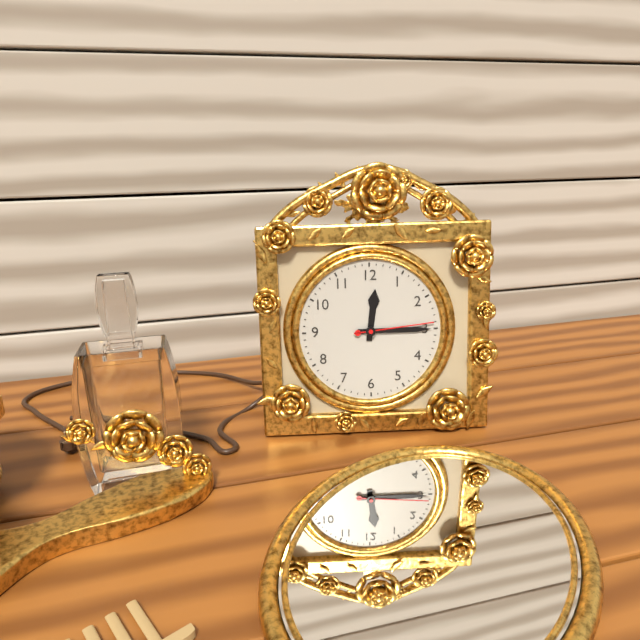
12,15,14
